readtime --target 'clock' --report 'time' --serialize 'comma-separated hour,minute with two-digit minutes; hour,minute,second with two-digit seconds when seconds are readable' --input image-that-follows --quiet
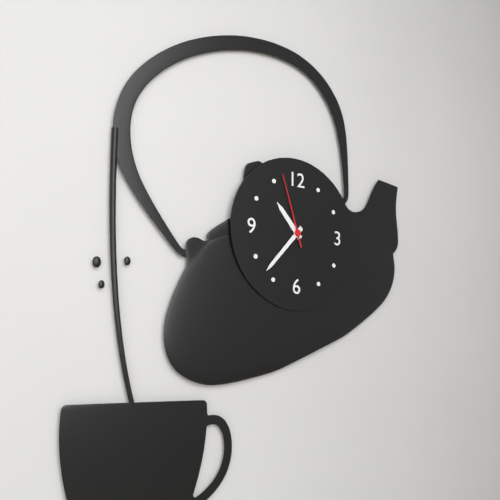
10,37,57
